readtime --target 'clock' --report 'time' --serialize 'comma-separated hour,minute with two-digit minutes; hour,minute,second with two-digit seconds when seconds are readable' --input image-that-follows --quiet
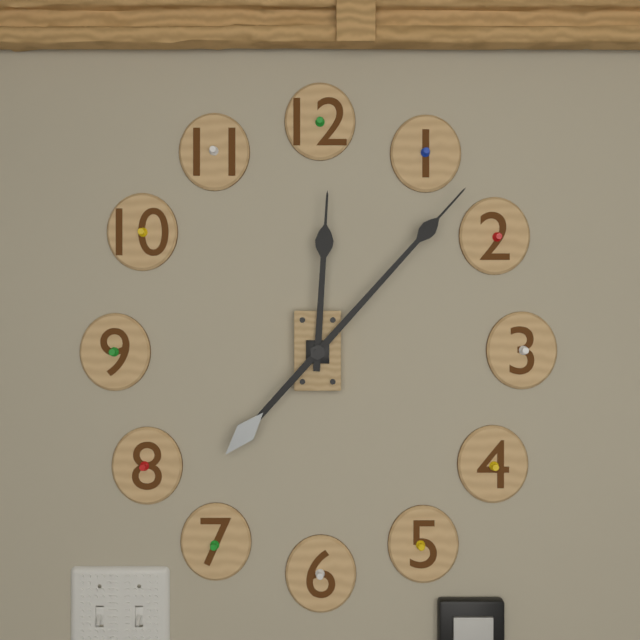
12,07
